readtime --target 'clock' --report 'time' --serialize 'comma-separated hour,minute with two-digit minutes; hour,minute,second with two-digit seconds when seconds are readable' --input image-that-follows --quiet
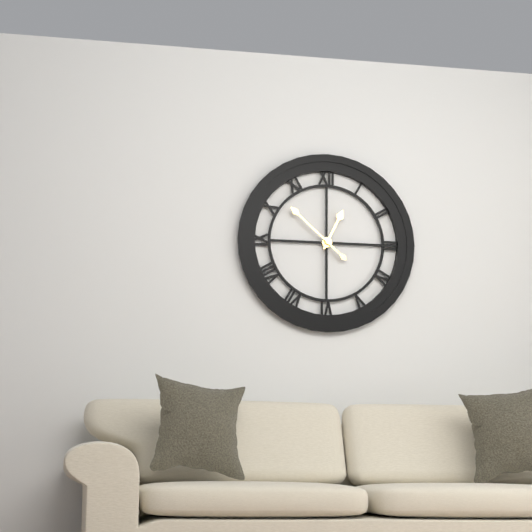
12,52
